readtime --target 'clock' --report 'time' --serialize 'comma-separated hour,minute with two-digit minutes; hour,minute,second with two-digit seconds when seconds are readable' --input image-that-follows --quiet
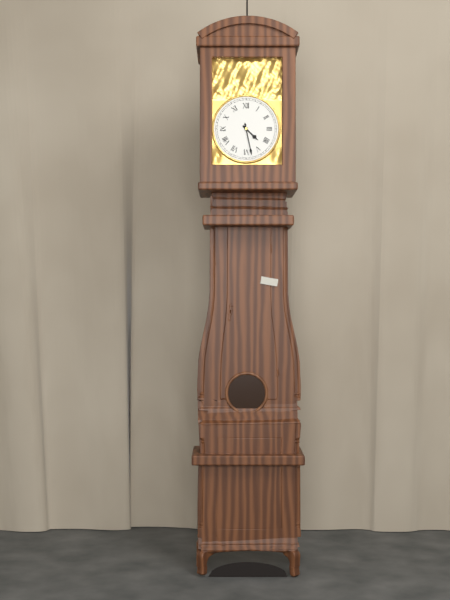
4,28
